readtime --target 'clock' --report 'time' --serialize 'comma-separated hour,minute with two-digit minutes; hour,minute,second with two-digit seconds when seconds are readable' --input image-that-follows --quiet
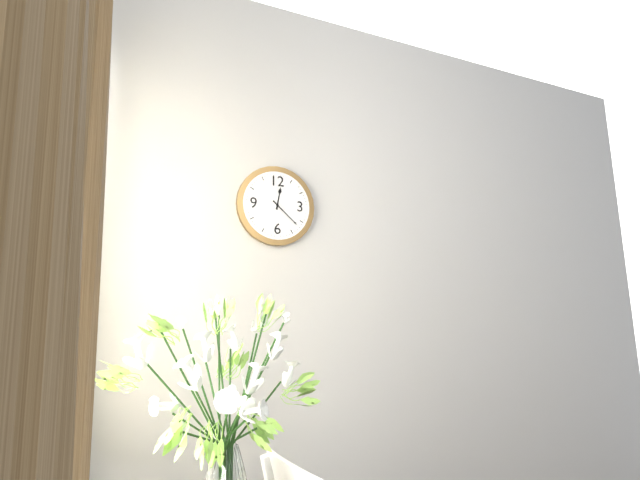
12,22
